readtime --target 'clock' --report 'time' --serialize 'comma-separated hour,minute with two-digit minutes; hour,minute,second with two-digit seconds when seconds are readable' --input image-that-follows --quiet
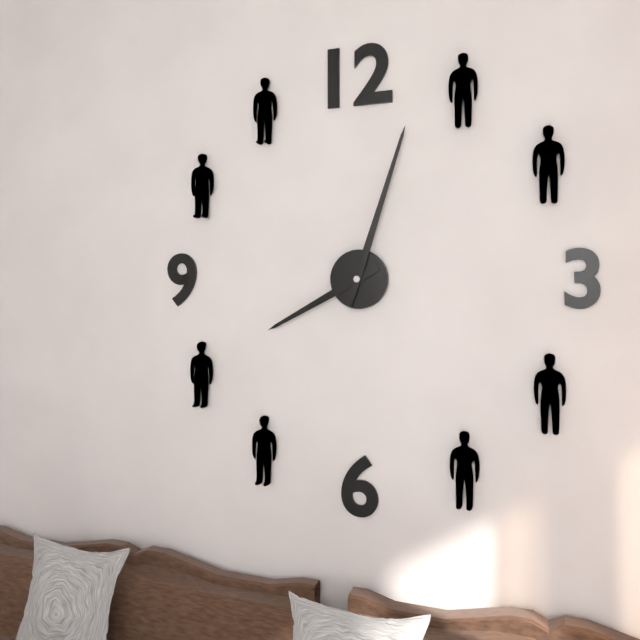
8,03
